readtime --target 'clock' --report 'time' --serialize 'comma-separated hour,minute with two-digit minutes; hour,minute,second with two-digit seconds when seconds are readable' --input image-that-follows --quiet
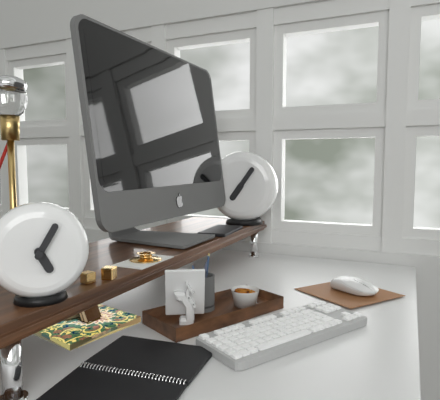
5,05
